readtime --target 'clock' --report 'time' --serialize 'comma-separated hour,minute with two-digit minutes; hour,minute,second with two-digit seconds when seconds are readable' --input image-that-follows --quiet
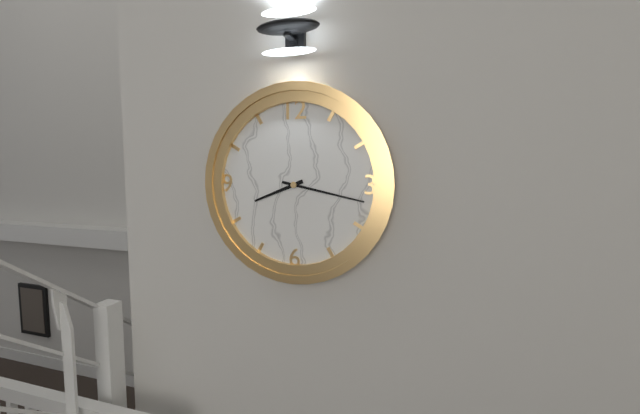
8,17
